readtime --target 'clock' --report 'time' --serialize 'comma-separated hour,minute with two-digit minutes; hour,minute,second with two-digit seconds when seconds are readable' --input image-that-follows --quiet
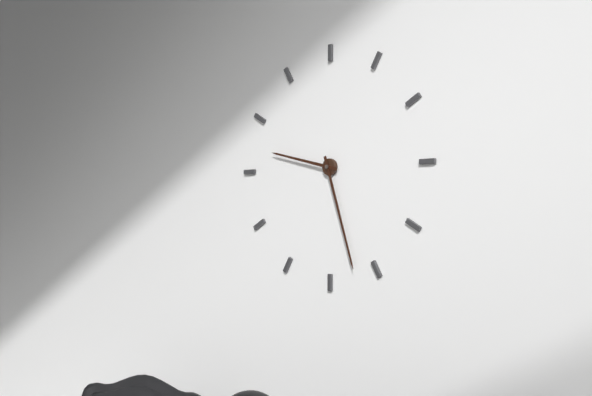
9,27
